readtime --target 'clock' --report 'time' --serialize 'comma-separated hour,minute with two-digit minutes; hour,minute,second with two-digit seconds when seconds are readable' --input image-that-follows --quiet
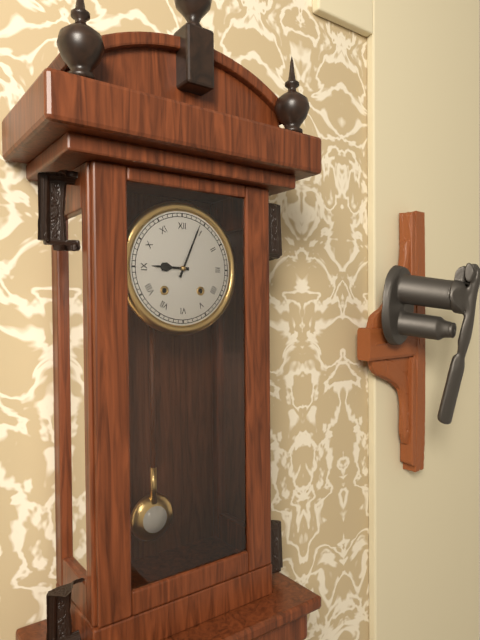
9,04
